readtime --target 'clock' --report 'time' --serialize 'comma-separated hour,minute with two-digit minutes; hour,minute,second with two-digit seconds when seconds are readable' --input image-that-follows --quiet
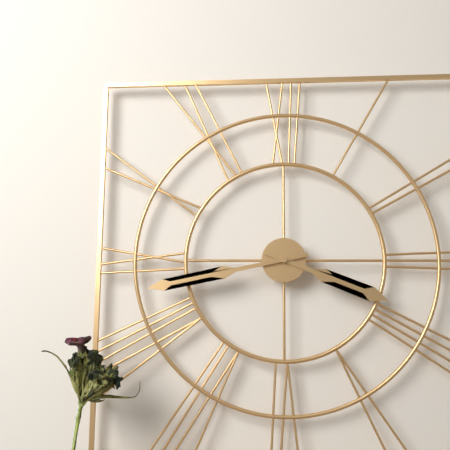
3,43
